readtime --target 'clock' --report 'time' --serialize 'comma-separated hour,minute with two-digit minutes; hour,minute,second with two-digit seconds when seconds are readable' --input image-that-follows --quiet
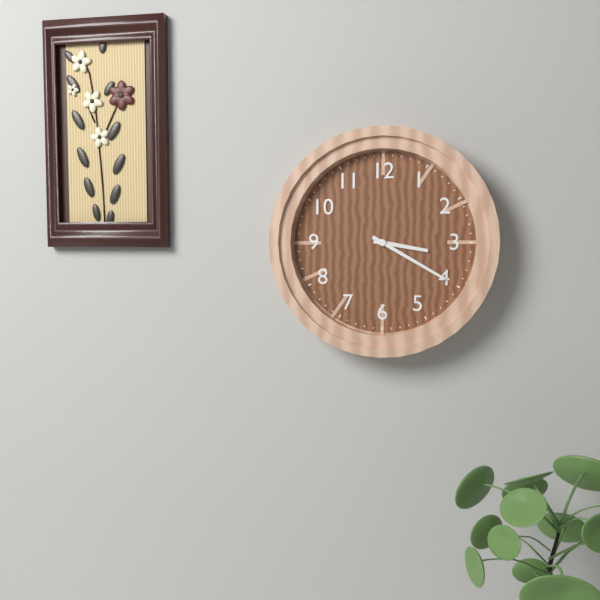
3,20
